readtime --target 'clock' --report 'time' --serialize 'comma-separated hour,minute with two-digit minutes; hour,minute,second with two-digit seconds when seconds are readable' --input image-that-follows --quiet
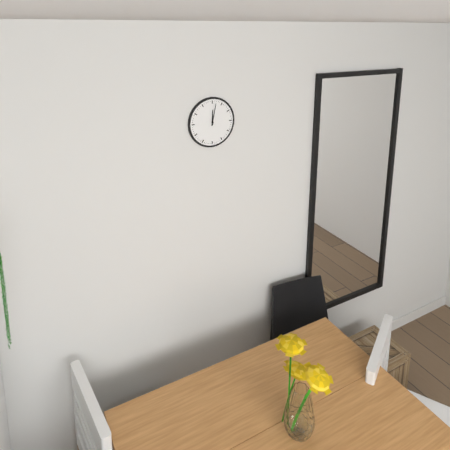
12,02
